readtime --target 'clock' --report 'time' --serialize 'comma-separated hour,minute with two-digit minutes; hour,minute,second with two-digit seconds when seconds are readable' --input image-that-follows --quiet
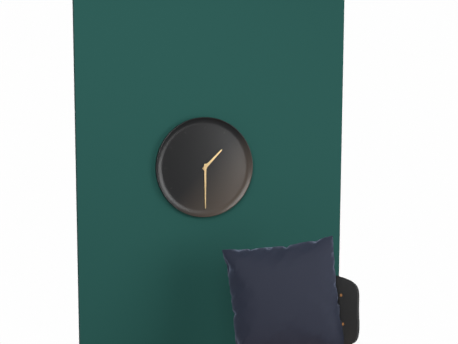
1,30
